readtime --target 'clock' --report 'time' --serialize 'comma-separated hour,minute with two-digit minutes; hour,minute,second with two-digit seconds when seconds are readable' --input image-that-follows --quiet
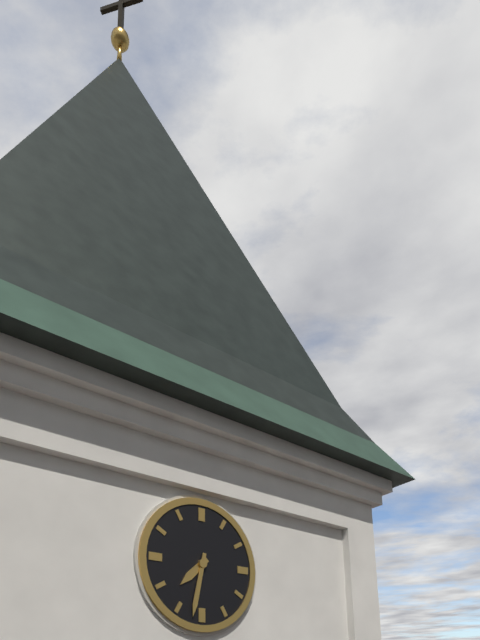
7,32
